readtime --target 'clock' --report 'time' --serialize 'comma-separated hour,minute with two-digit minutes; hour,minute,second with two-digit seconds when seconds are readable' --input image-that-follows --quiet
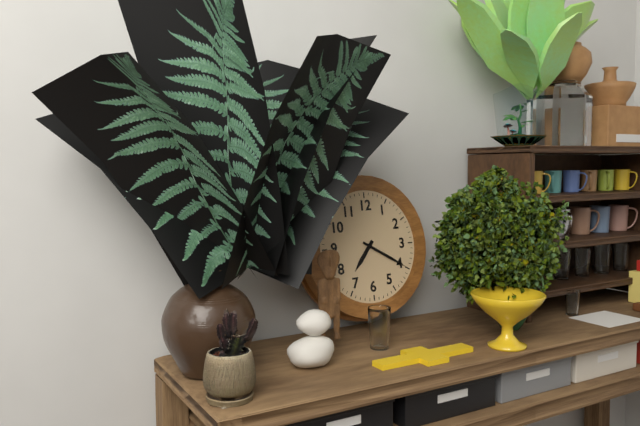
7,20
